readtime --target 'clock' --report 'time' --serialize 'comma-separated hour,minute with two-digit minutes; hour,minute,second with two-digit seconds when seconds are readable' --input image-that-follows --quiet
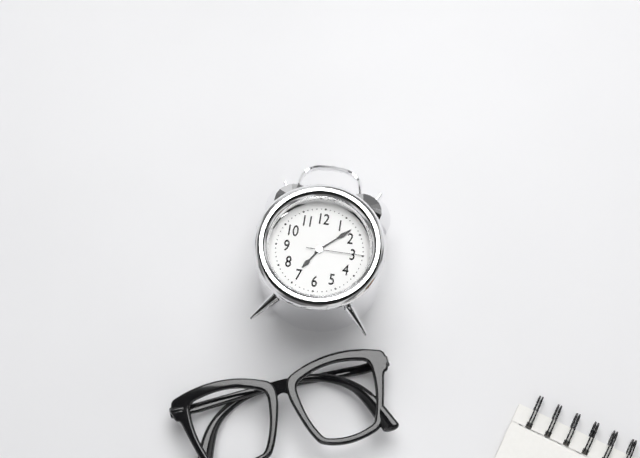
7,08,15
